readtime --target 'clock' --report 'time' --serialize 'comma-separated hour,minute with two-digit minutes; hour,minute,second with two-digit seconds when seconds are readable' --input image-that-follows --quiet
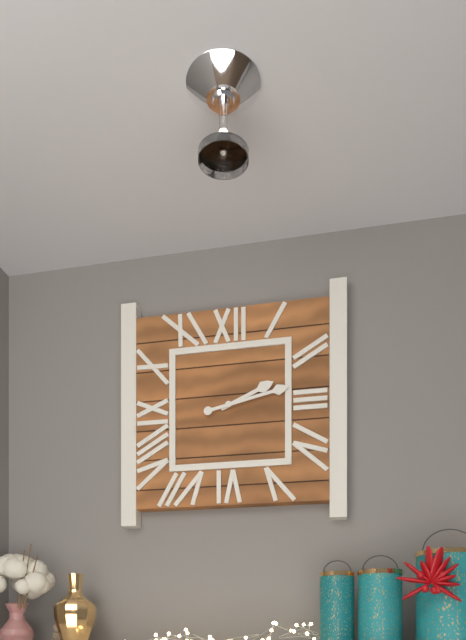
2,13
